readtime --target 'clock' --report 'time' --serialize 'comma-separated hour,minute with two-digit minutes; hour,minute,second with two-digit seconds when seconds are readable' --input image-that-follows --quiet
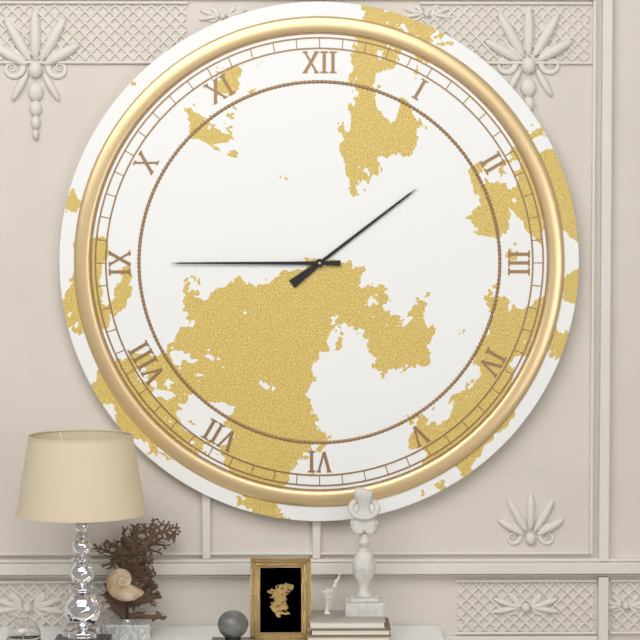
1,45
